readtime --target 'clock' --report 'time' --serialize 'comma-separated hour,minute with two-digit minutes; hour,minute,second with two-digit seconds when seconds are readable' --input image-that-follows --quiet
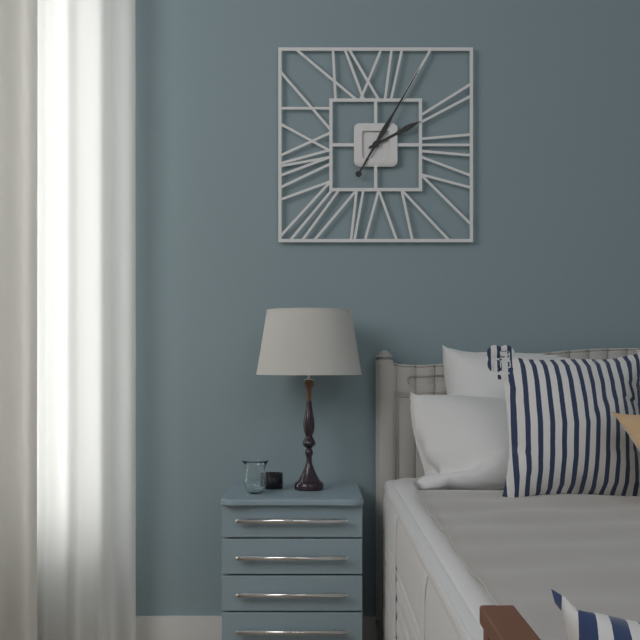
2,05
